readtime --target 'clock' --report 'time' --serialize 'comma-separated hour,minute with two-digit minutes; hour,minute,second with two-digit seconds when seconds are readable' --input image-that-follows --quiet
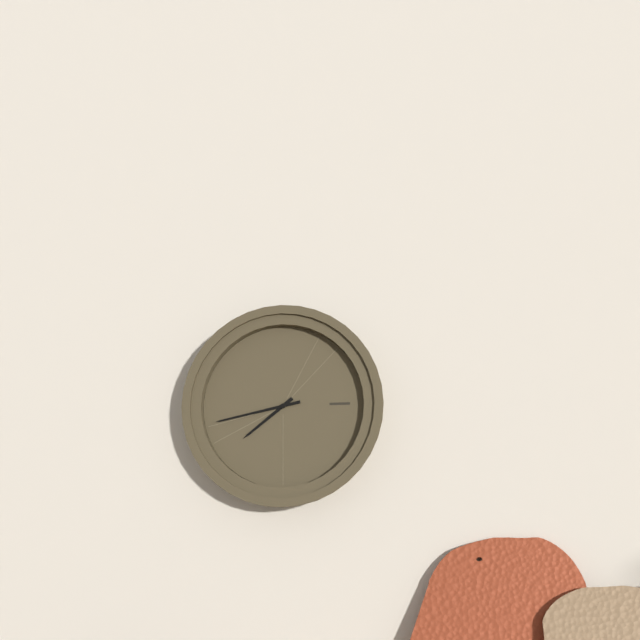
7,43
